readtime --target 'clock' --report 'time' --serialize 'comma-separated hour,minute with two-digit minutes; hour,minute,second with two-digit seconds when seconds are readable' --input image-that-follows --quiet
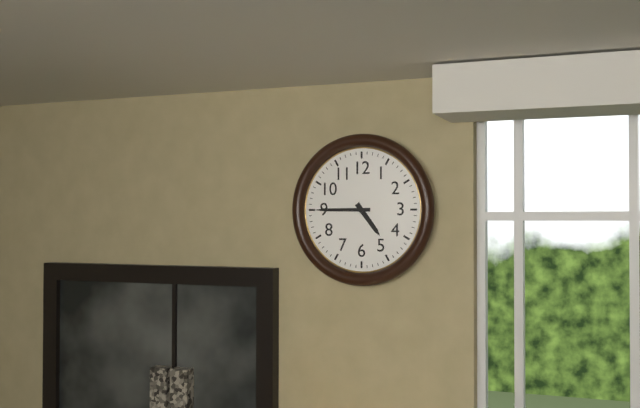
4,45
